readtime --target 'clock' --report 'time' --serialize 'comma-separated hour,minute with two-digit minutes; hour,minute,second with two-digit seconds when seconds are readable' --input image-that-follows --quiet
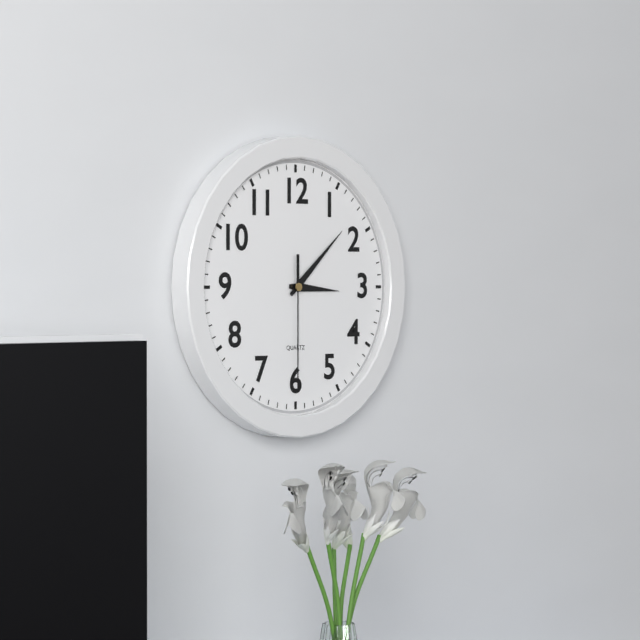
3,08,30
